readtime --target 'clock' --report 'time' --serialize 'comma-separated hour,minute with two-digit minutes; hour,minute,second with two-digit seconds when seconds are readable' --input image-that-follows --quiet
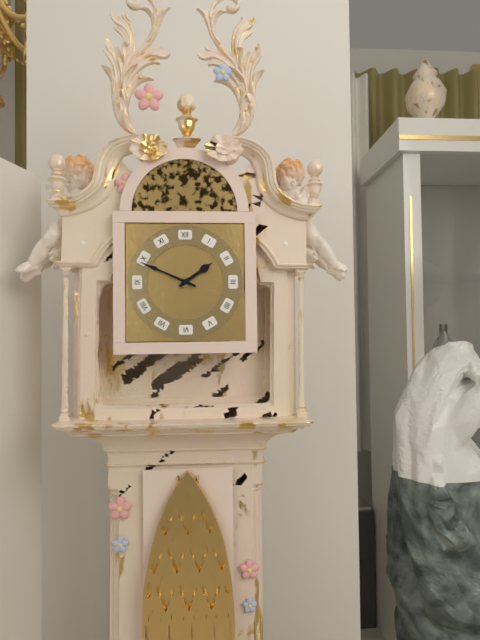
1,49
